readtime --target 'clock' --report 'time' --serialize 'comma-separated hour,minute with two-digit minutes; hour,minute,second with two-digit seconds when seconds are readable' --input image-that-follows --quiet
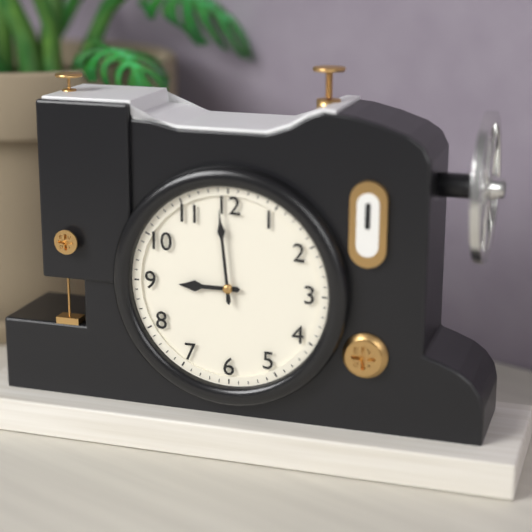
8,59
